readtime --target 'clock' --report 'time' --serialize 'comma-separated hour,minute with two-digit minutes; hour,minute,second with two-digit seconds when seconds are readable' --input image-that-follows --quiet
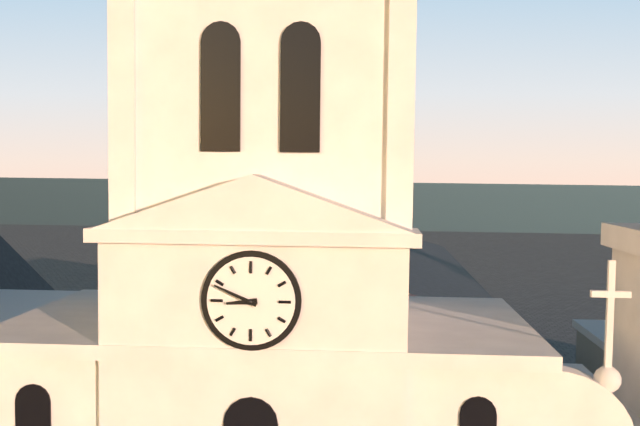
8,49
